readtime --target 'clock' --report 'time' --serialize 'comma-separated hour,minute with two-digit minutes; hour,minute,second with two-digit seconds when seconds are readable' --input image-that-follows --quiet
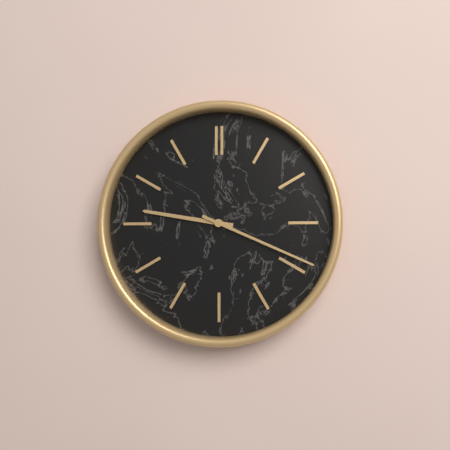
9,19
